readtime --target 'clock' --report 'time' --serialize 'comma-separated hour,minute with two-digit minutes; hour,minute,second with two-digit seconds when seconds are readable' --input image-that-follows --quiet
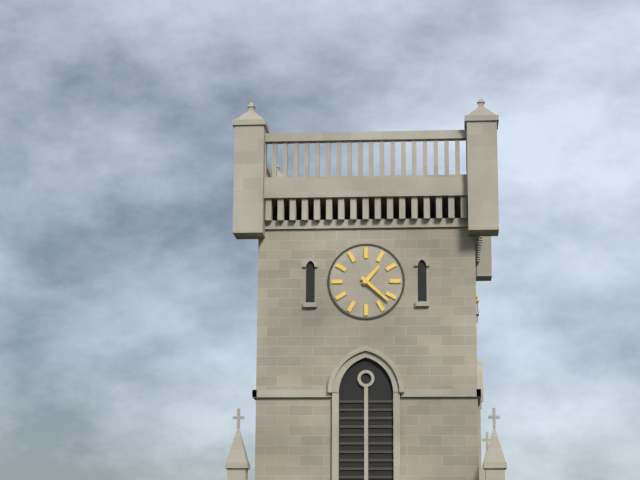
1,22
